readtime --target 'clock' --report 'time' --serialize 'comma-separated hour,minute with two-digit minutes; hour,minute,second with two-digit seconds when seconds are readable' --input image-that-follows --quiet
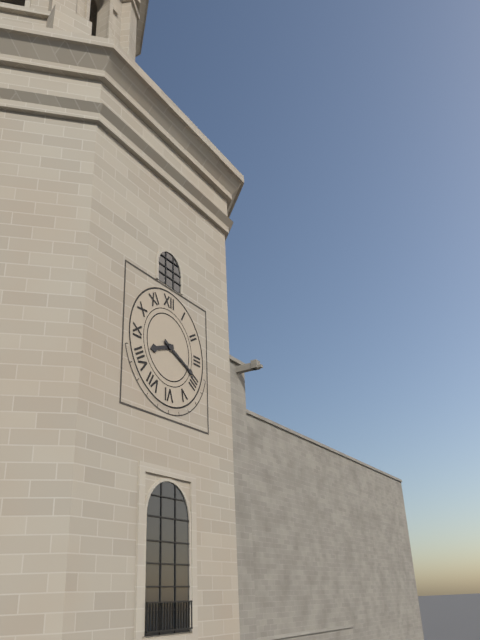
8,19
